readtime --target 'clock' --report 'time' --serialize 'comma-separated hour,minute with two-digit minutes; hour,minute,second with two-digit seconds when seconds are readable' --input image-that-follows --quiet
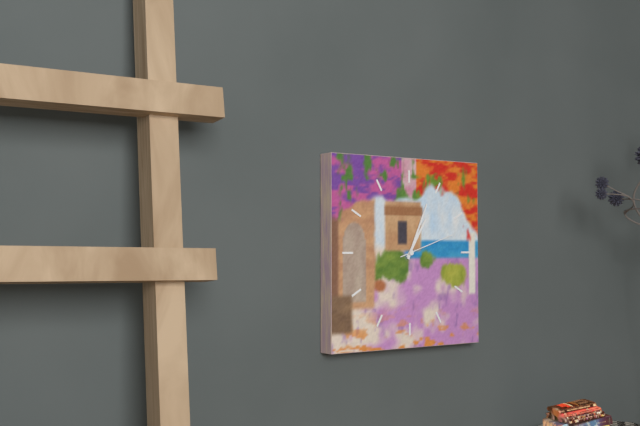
1,04,12
